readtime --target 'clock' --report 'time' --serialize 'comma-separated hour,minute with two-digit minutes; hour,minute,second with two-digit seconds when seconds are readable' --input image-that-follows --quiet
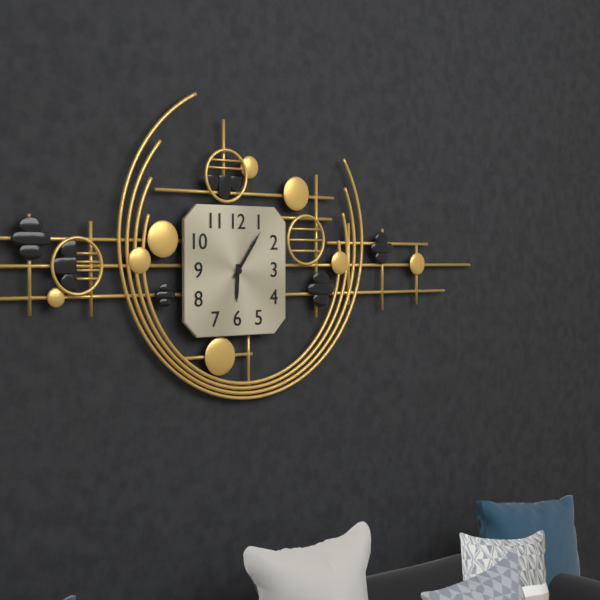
6,06
